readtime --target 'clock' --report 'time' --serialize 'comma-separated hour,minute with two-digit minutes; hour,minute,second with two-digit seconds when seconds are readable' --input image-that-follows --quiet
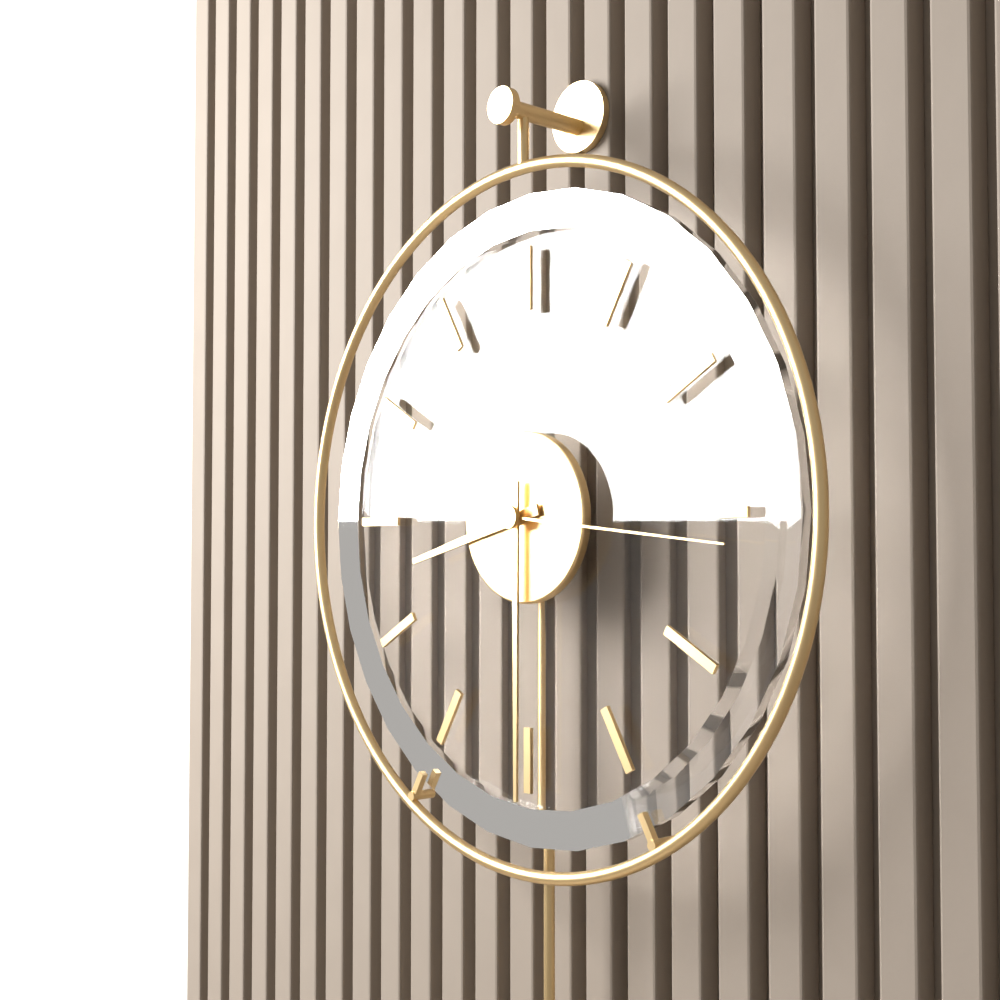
8,30,16
